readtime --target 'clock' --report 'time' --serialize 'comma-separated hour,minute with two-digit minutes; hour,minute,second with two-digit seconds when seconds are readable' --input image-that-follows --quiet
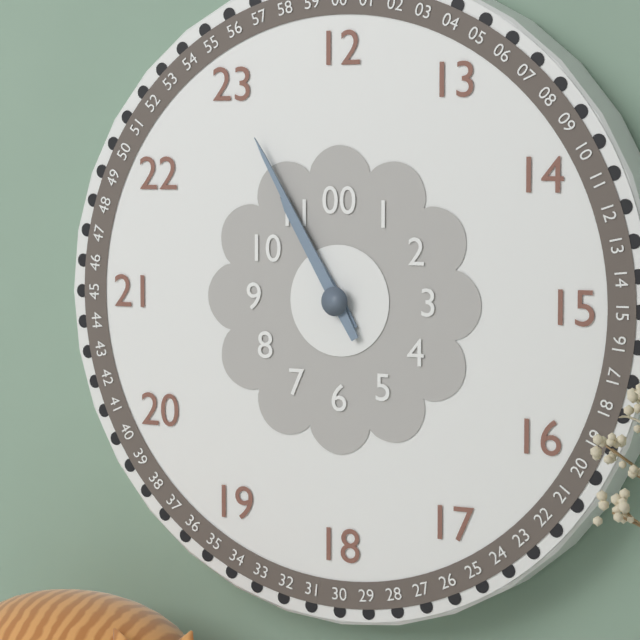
10,55
